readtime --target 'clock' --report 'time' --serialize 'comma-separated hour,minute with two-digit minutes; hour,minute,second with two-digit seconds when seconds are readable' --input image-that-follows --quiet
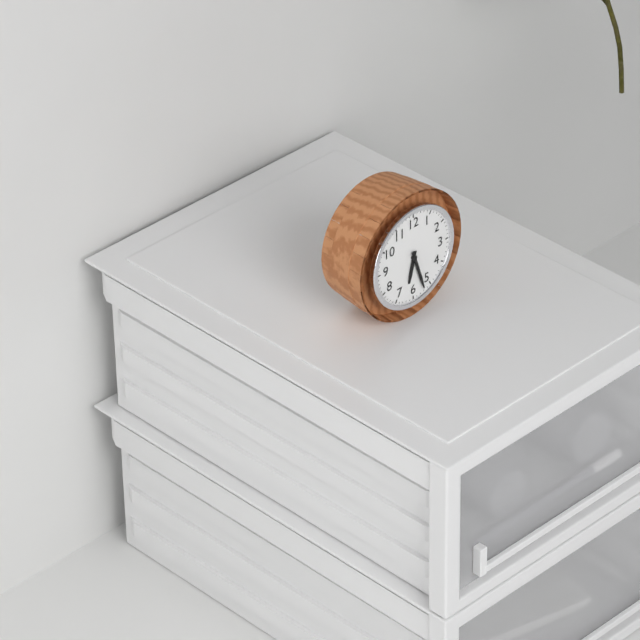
6,27
